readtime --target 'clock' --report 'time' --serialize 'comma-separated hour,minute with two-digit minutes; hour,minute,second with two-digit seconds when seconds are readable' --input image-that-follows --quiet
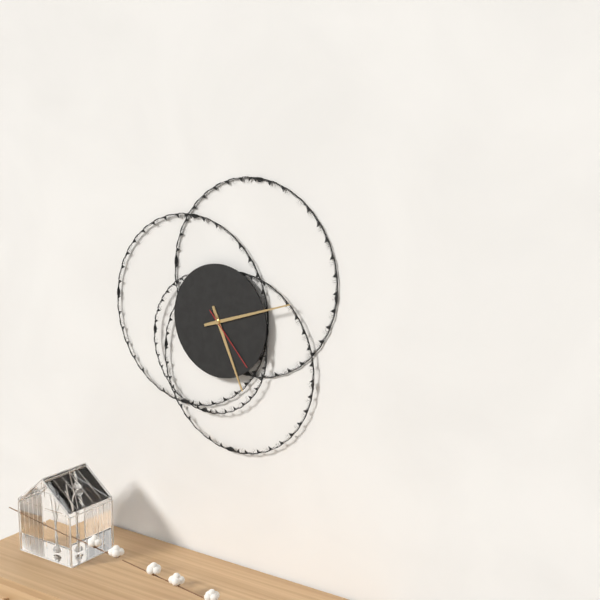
5,12,23
